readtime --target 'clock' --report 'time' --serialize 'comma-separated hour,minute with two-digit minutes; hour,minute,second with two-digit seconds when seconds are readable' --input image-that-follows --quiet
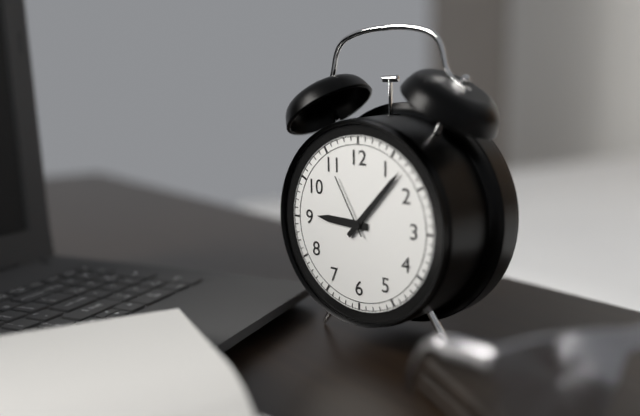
9,07,55
